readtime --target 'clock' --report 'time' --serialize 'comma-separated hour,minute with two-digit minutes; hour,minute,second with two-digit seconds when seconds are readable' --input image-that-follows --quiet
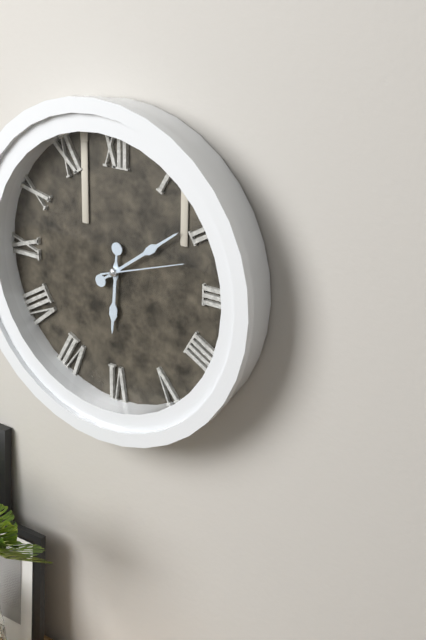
6,09,12
